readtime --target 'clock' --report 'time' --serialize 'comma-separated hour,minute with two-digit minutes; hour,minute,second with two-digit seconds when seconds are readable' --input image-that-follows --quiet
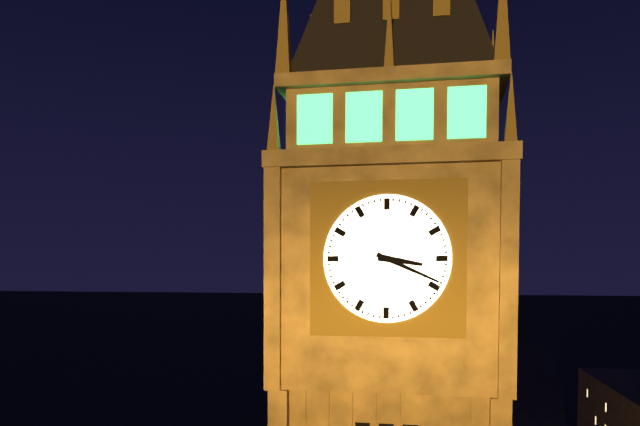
3,19
